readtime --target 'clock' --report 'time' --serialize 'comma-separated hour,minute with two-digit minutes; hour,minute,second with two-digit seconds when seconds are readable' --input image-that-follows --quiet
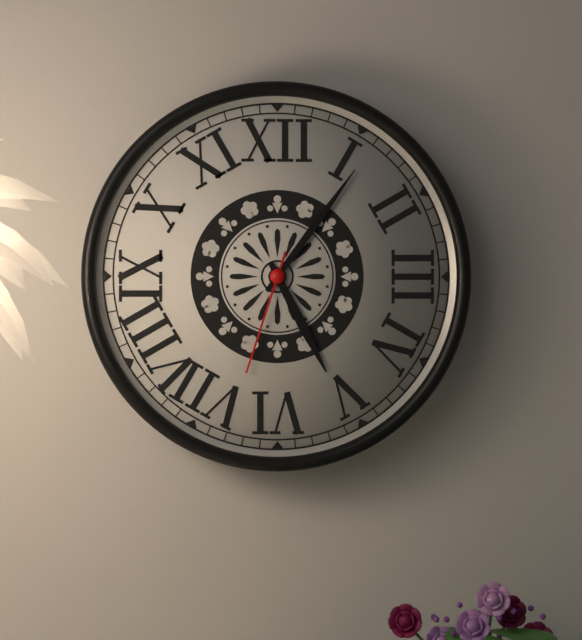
5,06,33
